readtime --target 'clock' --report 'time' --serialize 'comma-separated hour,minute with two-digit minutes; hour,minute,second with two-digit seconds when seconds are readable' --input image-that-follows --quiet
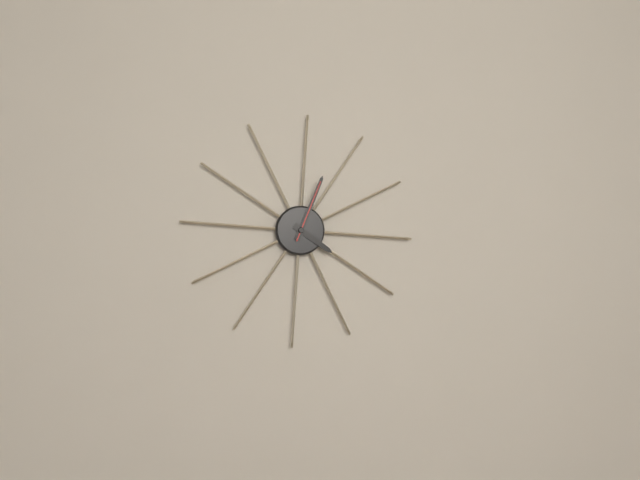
4,03,03
